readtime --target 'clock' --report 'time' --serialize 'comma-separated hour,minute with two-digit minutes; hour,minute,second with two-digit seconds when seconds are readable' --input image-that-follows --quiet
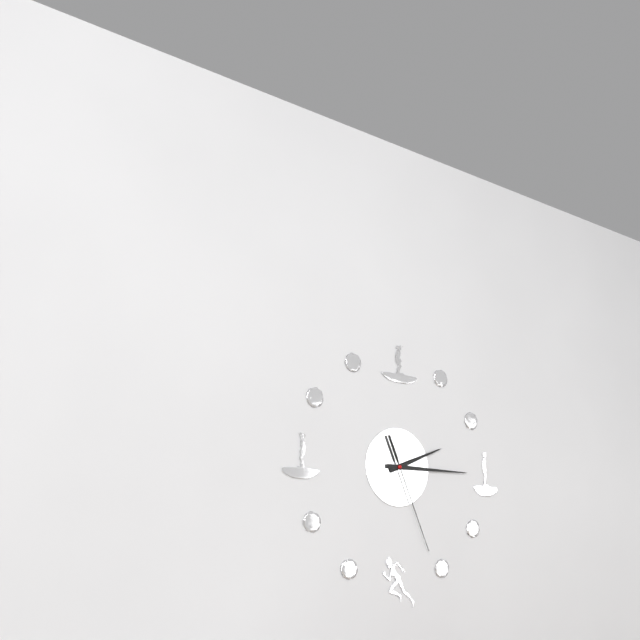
2,15,26
